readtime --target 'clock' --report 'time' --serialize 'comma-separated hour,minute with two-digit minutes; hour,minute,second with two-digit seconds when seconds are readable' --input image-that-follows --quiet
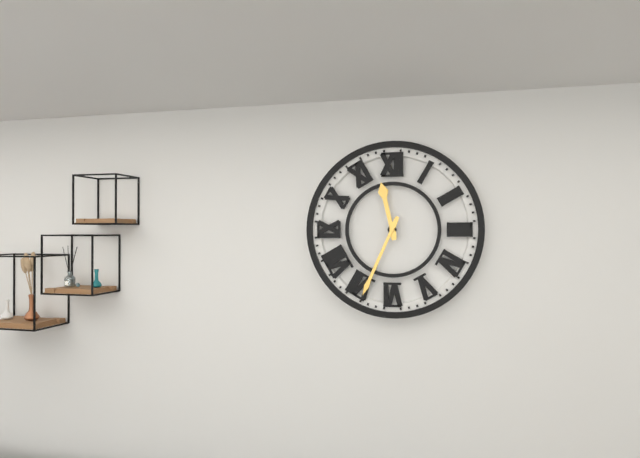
11,34
